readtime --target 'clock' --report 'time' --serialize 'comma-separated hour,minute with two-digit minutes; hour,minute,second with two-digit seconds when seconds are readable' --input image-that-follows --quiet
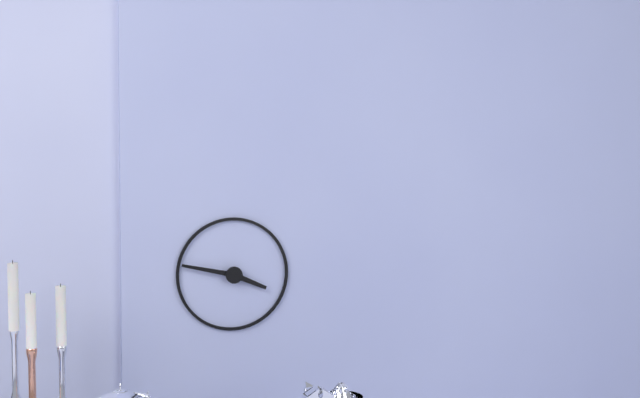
3,47
